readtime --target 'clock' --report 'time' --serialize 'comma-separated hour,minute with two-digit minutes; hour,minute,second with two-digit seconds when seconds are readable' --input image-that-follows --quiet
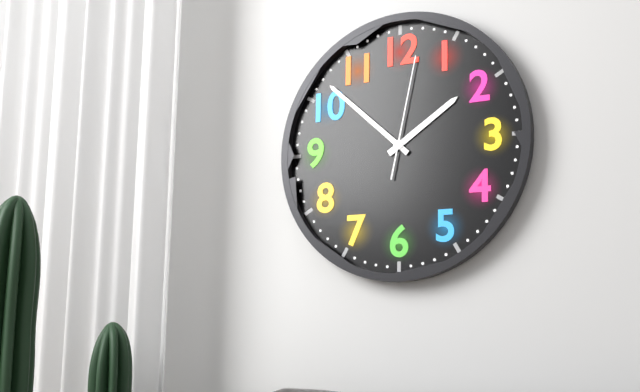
1,52,02
